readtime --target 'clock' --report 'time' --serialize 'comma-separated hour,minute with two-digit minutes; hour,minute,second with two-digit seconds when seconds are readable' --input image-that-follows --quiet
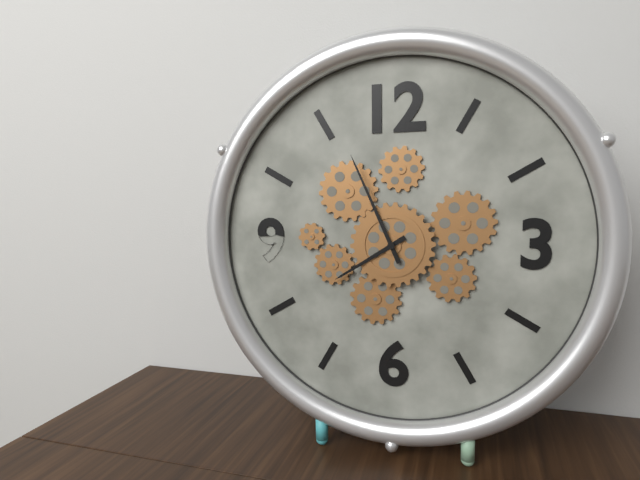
7,56
